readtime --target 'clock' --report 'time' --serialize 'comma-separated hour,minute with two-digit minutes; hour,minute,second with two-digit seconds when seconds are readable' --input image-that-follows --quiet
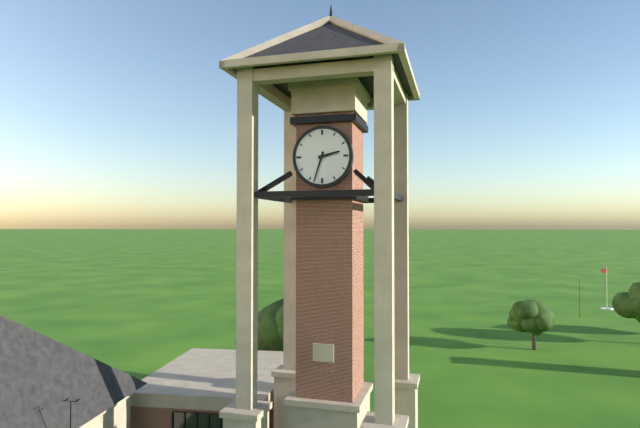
2,33
